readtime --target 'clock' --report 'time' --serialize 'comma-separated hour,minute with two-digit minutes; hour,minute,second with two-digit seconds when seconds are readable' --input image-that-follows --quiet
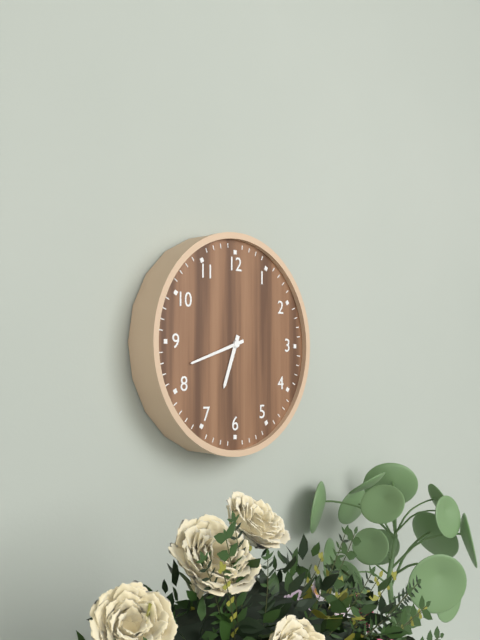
6,42
